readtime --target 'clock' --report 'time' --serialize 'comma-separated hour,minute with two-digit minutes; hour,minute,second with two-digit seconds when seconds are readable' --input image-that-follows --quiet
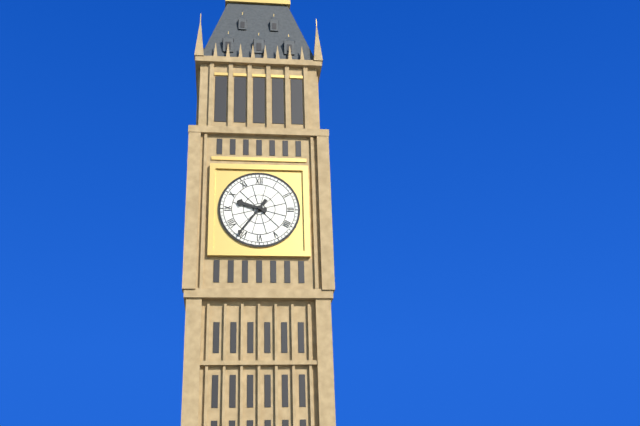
9,36
